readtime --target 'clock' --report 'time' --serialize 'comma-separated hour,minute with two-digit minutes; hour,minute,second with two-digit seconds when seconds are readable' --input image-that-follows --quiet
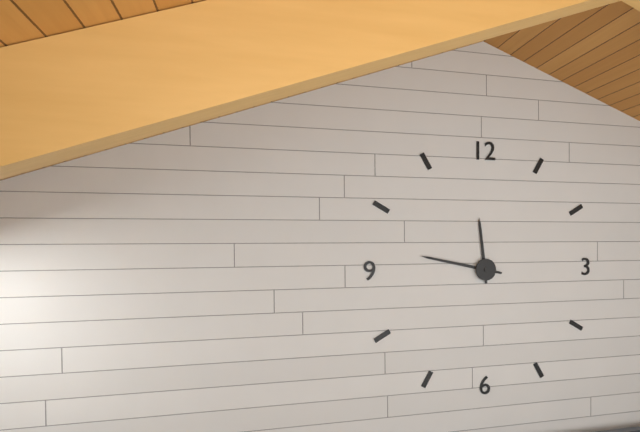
11,47
